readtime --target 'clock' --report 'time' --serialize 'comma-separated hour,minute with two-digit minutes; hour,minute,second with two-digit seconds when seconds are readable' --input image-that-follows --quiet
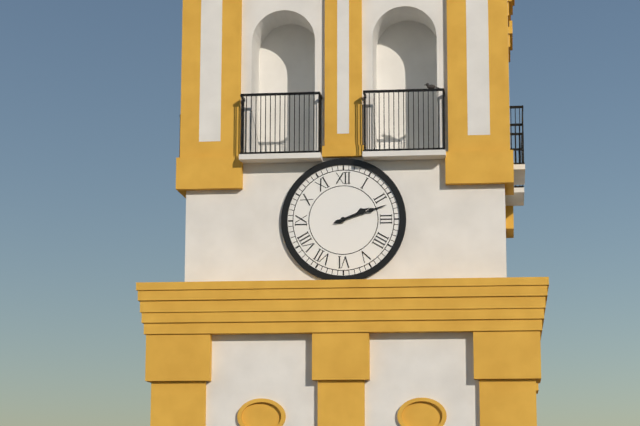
2,12
